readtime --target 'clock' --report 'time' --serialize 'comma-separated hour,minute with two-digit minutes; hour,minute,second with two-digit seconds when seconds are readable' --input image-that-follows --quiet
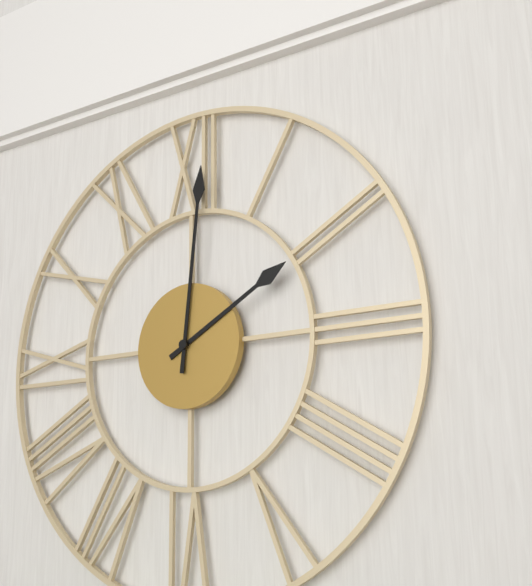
2,01
